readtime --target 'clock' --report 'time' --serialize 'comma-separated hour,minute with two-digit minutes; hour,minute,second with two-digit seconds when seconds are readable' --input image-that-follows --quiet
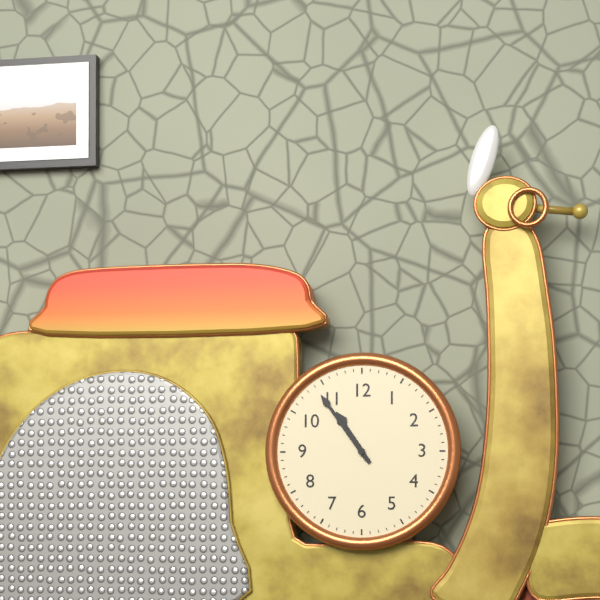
10,54
